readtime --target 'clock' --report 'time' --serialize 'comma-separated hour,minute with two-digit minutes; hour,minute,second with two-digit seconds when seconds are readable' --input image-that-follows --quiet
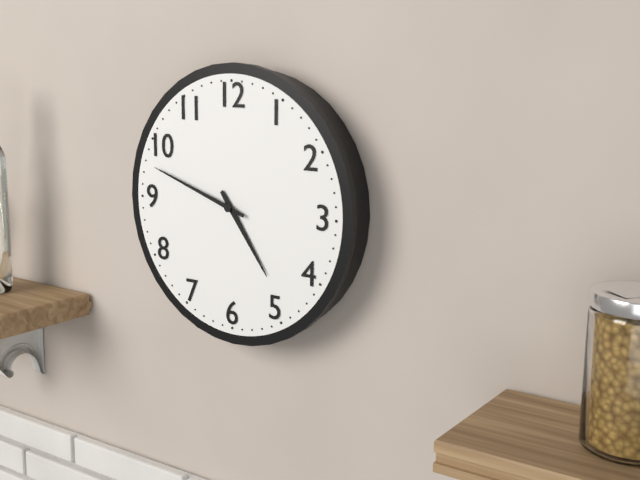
4,48
